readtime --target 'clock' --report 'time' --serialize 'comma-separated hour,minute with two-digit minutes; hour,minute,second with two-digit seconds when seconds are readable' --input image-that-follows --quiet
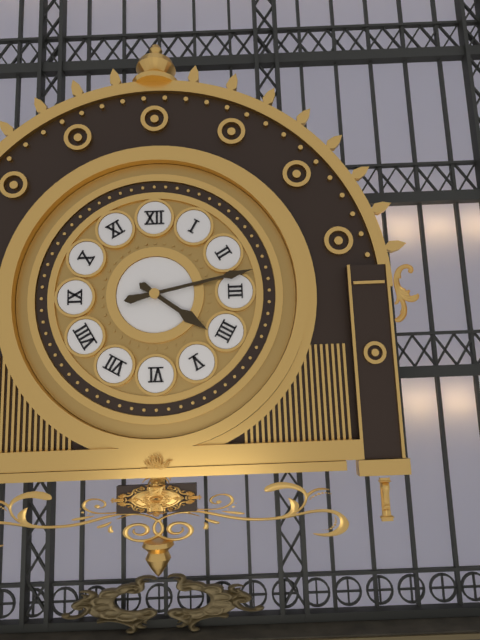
4,13
